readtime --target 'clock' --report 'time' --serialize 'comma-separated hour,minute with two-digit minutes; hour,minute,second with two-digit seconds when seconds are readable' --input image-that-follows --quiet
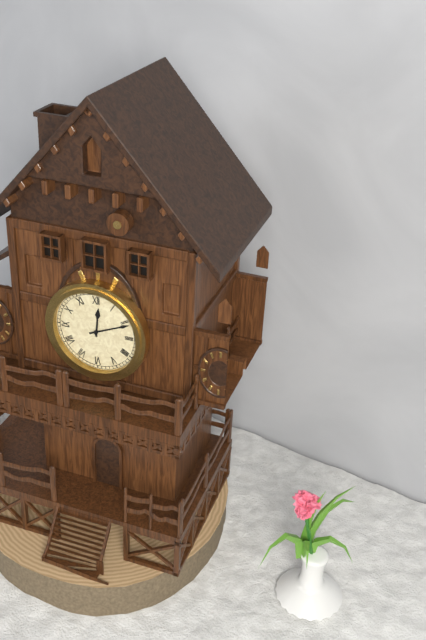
12,11
